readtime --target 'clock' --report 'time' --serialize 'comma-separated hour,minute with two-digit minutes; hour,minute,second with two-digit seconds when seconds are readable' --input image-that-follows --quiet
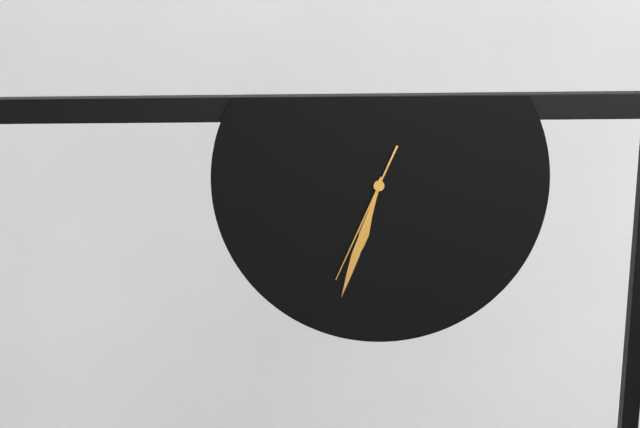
6,33,34
